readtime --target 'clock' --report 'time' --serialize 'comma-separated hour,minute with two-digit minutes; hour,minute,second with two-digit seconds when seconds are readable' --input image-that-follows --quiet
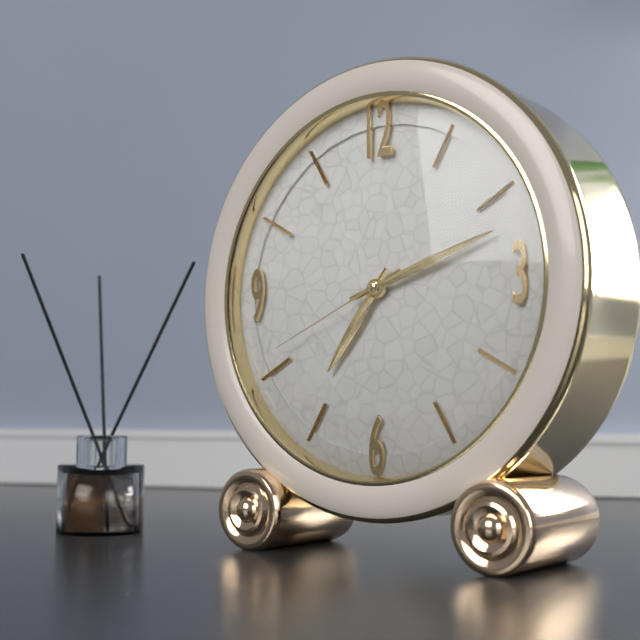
7,12,41
